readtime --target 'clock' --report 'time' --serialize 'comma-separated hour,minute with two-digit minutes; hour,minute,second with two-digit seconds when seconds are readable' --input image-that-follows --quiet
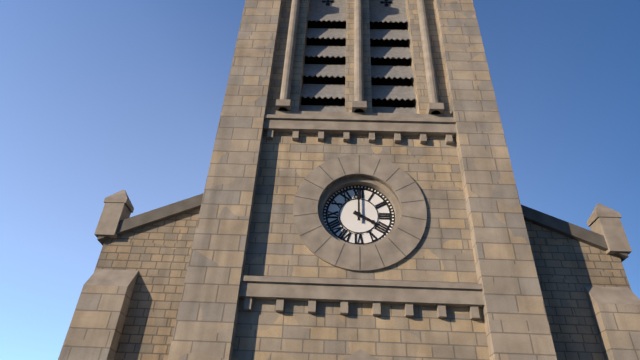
4,00
